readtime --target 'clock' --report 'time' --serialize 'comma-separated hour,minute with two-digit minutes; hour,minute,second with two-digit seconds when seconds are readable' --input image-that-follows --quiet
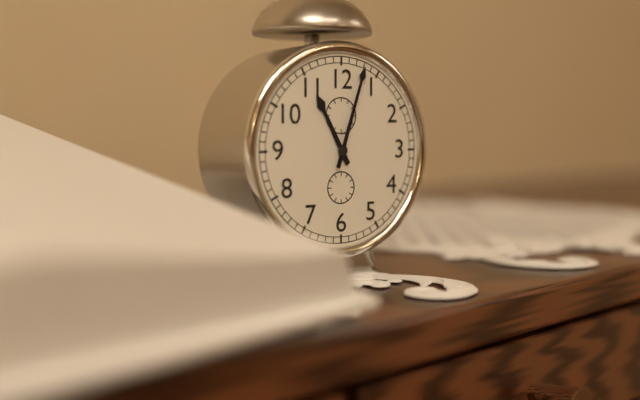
11,03
